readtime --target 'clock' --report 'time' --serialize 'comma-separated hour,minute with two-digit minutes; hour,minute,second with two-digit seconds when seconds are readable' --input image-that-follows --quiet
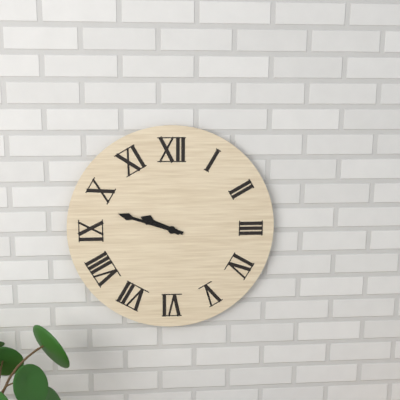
9,48
